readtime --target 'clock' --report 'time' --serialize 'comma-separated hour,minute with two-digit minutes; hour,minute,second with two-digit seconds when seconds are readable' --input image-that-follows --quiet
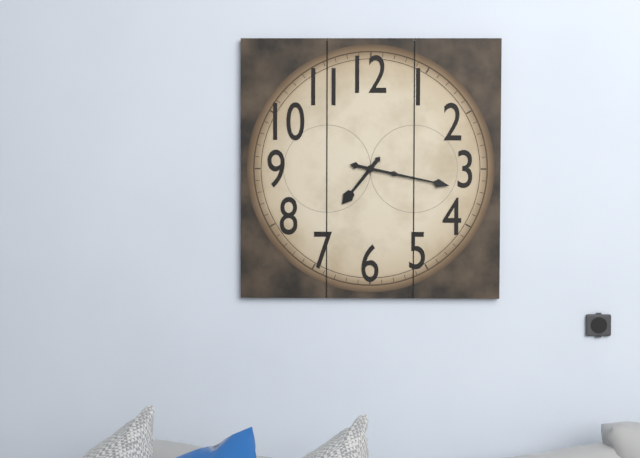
7,17
